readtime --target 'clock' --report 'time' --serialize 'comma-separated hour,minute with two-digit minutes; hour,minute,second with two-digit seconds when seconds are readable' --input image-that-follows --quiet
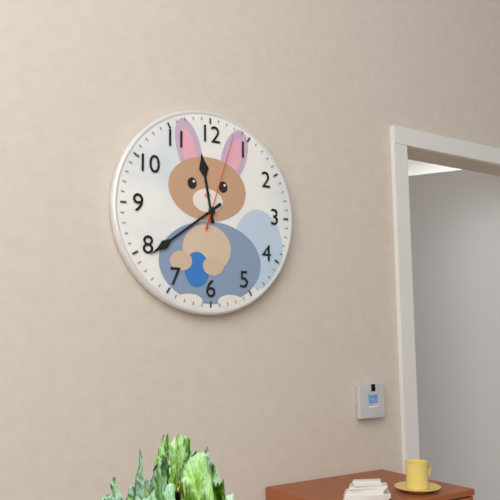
11,39,03
